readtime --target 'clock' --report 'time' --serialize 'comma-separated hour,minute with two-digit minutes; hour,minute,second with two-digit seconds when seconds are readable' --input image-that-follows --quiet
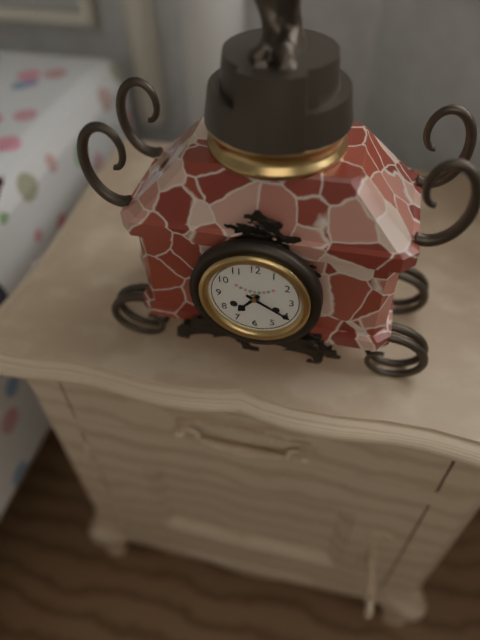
7,20
